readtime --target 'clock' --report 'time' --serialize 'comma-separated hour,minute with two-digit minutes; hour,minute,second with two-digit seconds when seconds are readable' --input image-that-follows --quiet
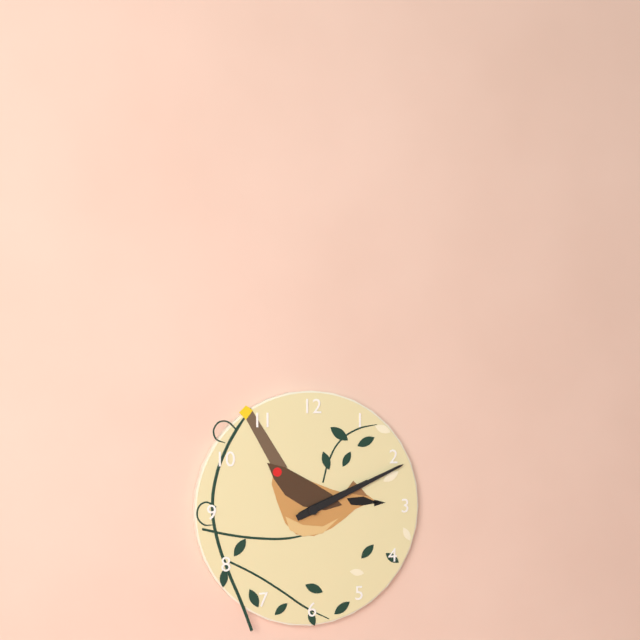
2,11
